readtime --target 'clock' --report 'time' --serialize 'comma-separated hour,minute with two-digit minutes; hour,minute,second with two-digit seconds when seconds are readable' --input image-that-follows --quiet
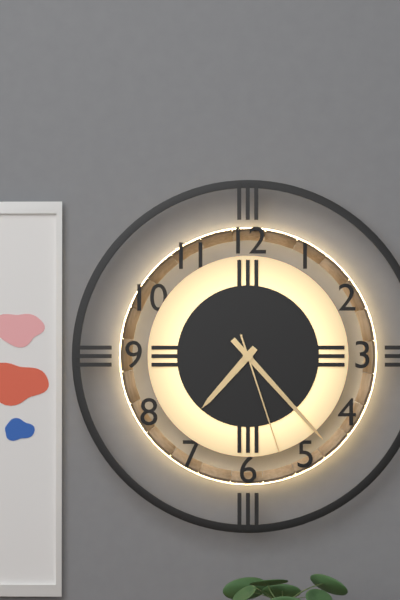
7,23,27
